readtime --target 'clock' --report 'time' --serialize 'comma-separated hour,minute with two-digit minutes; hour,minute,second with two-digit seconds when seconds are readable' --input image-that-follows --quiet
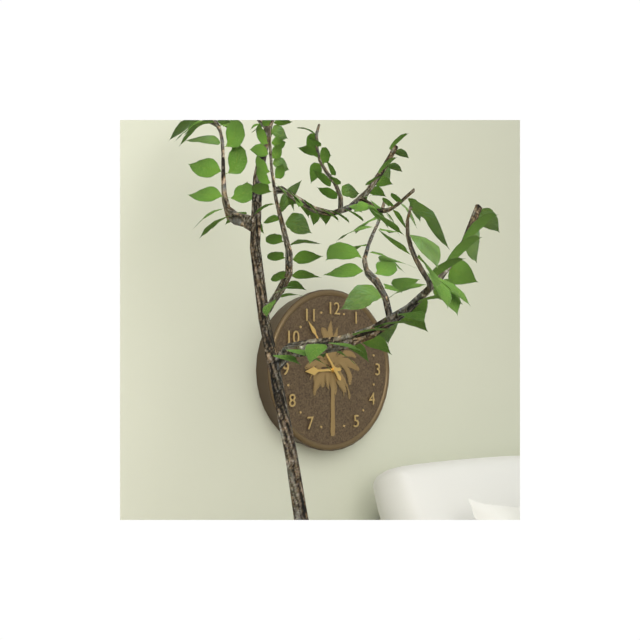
8,54
